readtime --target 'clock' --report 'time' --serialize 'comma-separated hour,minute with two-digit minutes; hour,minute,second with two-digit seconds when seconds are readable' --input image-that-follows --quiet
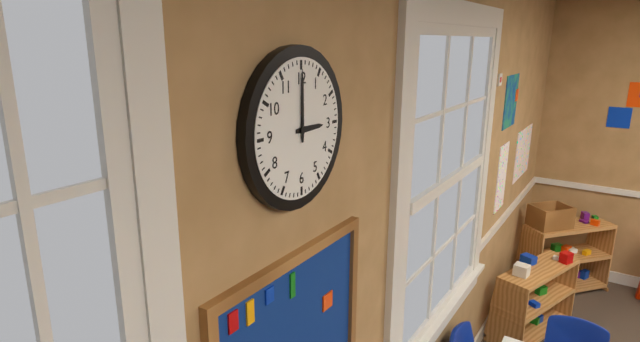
3,00
